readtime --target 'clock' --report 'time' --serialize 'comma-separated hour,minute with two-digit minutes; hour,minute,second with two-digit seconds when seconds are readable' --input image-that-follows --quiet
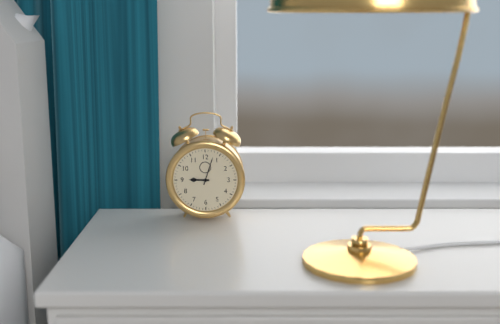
9,03
